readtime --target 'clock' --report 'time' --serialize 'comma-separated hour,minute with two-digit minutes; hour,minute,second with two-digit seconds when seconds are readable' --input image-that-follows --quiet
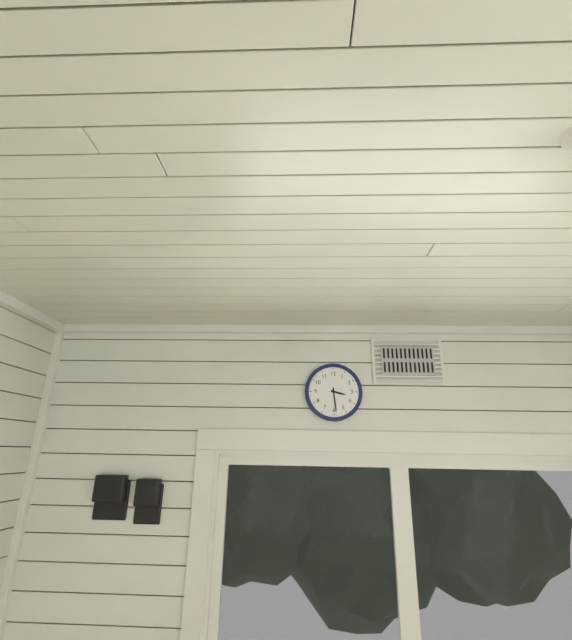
3,29
